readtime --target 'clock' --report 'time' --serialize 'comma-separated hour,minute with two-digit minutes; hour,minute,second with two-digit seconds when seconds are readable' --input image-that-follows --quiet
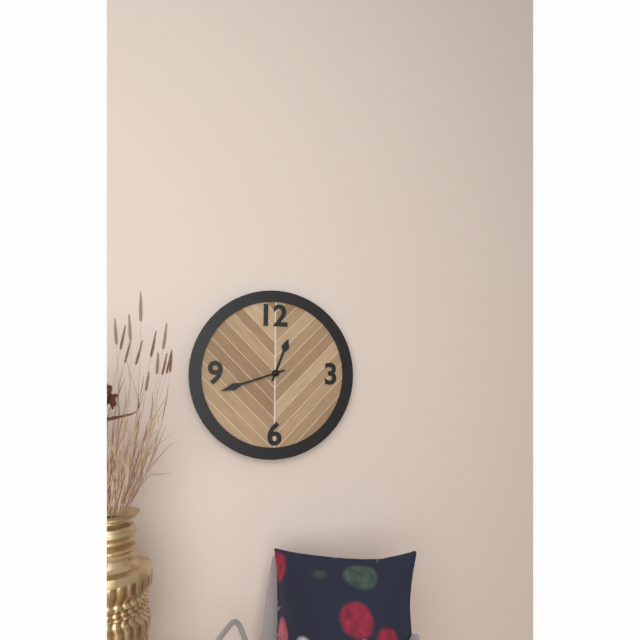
12,42
